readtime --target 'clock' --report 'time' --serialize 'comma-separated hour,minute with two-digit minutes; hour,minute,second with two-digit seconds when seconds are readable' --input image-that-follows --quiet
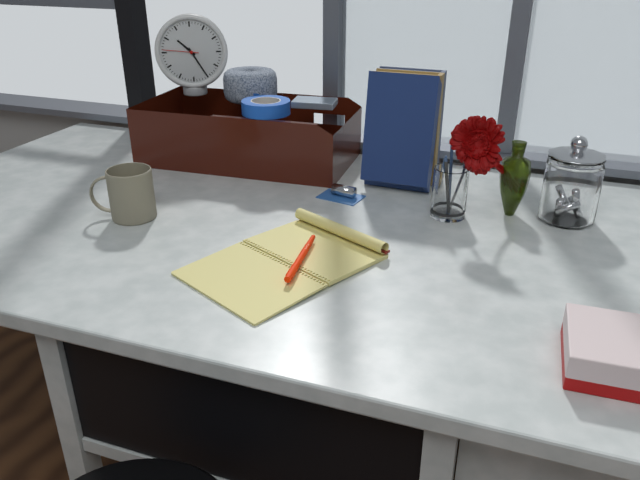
10,25
